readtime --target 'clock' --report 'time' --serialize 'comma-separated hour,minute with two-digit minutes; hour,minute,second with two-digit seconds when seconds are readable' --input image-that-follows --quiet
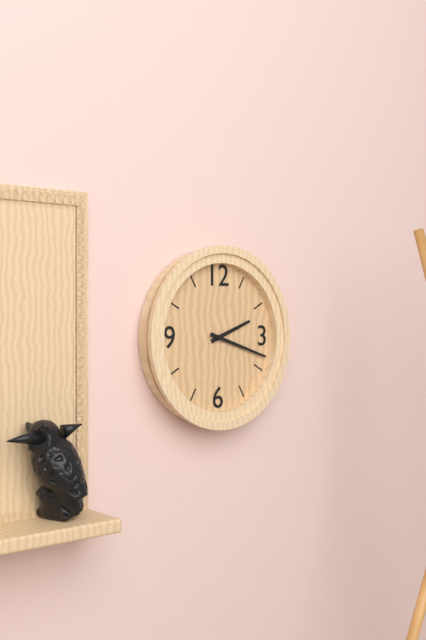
2,18
